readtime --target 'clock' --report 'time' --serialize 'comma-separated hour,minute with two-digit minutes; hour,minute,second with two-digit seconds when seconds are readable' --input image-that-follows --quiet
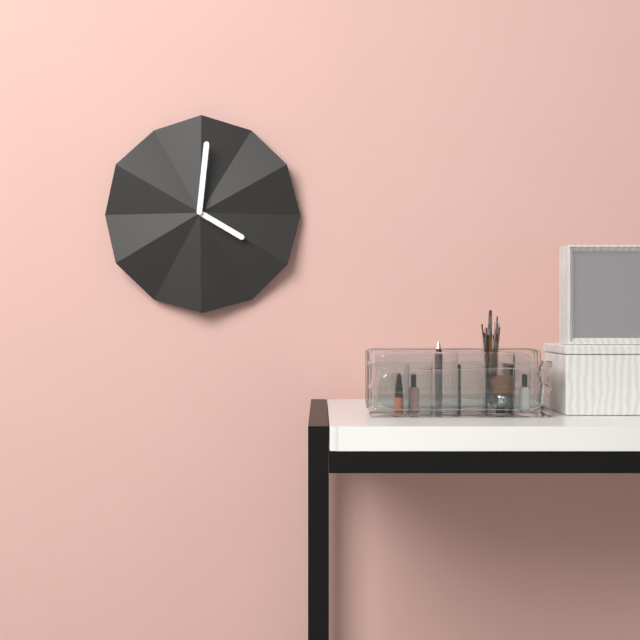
4,01
